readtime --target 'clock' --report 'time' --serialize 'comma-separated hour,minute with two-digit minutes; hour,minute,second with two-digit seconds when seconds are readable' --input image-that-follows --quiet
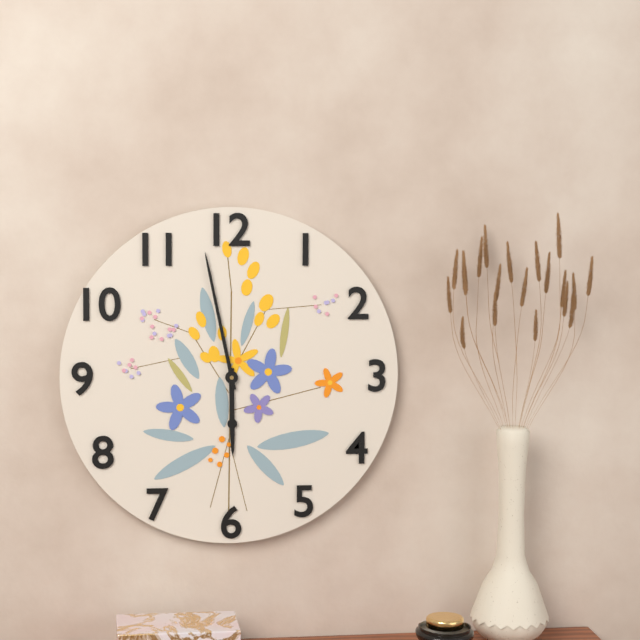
5,58
